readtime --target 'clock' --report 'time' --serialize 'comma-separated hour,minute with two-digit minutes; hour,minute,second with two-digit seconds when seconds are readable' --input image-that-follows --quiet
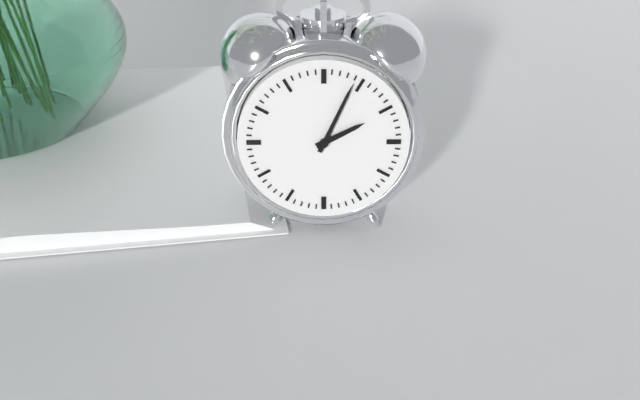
2,04
